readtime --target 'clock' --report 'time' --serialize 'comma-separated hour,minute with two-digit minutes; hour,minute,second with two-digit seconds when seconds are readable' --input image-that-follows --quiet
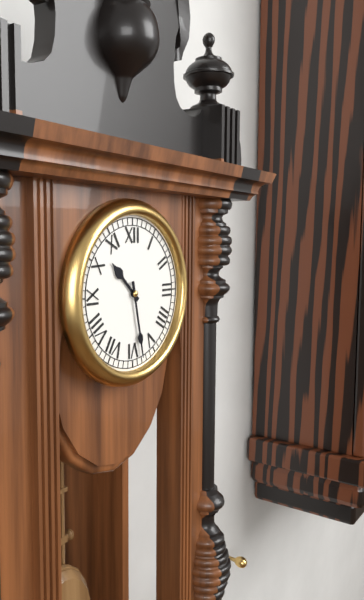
10,28
